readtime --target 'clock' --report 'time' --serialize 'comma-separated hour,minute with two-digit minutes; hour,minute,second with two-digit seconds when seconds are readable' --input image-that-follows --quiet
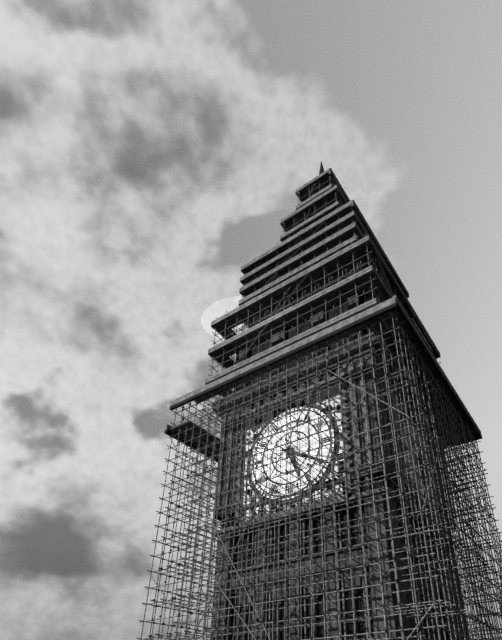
5,20
